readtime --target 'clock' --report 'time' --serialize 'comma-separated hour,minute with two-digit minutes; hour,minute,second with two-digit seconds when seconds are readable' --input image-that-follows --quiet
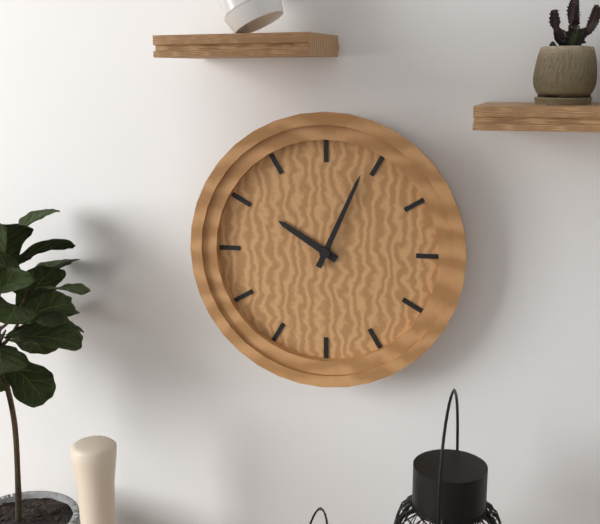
10,04
